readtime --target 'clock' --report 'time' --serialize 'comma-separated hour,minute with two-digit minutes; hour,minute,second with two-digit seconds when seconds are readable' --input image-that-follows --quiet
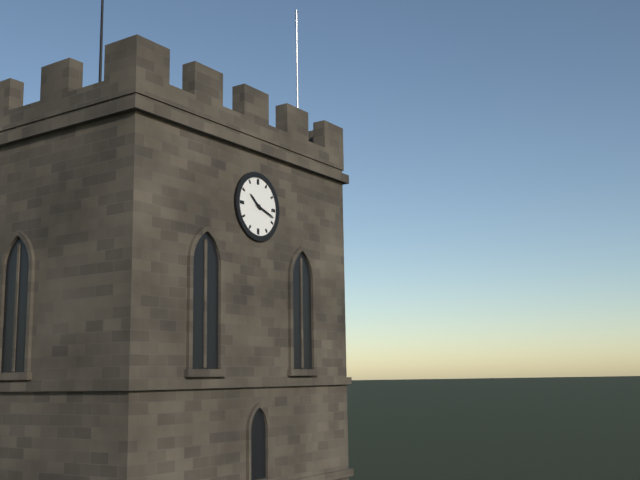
10,18
